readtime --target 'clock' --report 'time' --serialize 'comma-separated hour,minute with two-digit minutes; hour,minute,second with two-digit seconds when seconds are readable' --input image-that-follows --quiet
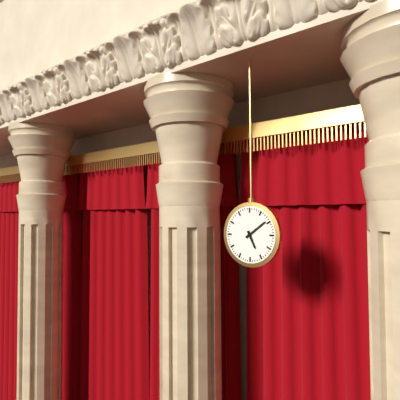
5,09
